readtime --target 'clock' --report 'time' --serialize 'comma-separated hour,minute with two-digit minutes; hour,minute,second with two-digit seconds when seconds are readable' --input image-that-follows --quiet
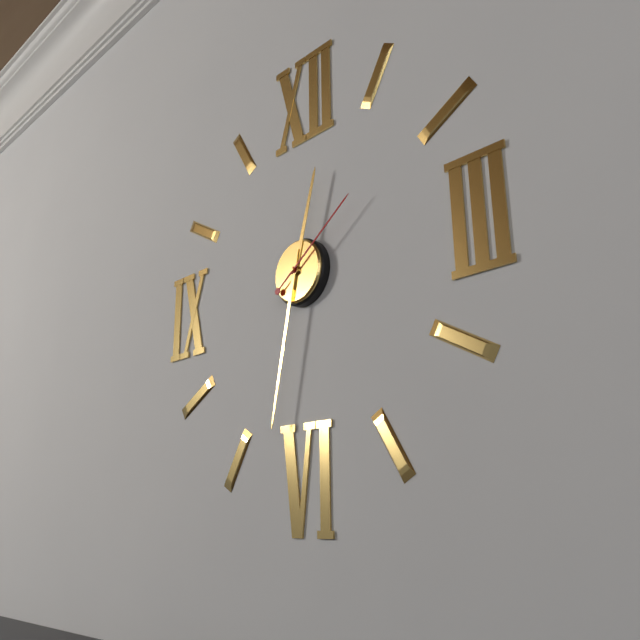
12,32,09
